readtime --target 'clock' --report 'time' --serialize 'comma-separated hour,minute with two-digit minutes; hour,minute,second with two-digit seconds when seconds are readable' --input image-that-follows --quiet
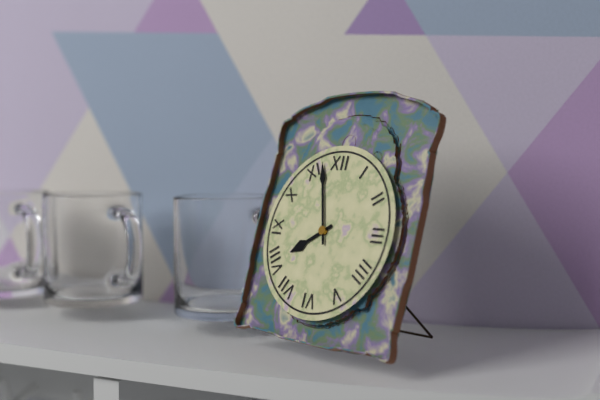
7,57
